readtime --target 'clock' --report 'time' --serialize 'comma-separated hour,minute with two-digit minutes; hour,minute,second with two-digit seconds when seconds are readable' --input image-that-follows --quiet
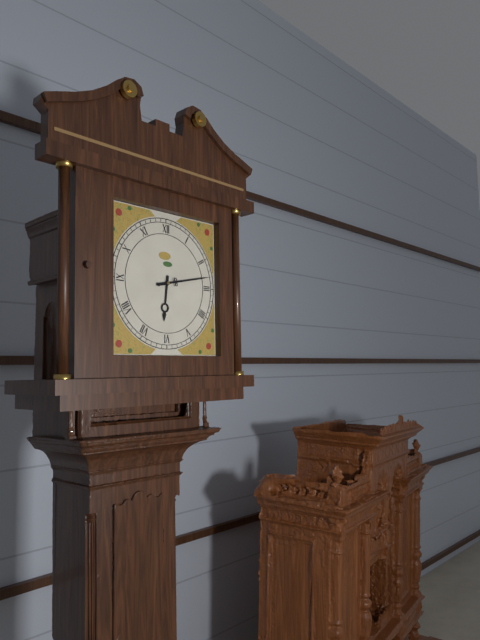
6,13
